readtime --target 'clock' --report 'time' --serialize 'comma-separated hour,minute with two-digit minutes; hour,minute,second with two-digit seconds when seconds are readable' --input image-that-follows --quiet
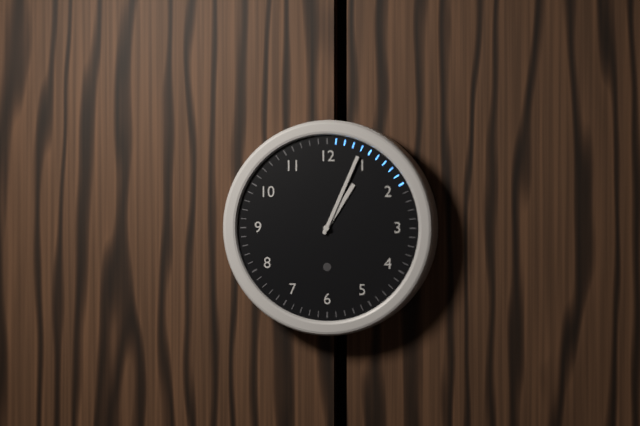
1,04
